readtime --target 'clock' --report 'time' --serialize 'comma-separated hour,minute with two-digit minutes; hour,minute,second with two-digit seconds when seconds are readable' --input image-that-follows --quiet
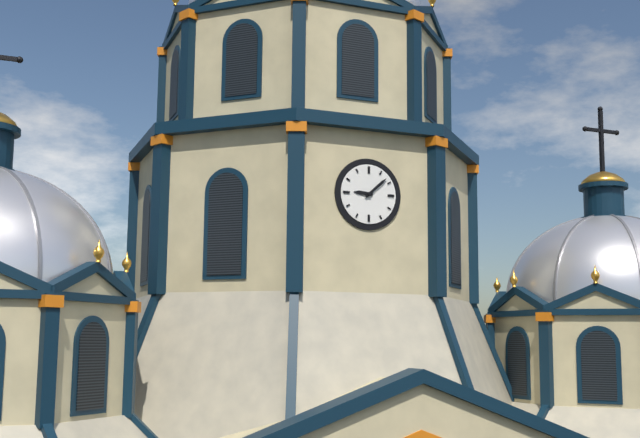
9,08
